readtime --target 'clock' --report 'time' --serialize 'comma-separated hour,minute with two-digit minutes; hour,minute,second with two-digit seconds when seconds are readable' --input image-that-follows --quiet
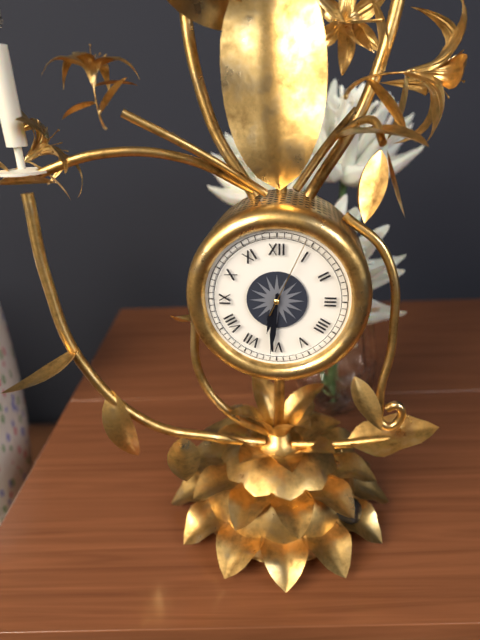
6,31,04
